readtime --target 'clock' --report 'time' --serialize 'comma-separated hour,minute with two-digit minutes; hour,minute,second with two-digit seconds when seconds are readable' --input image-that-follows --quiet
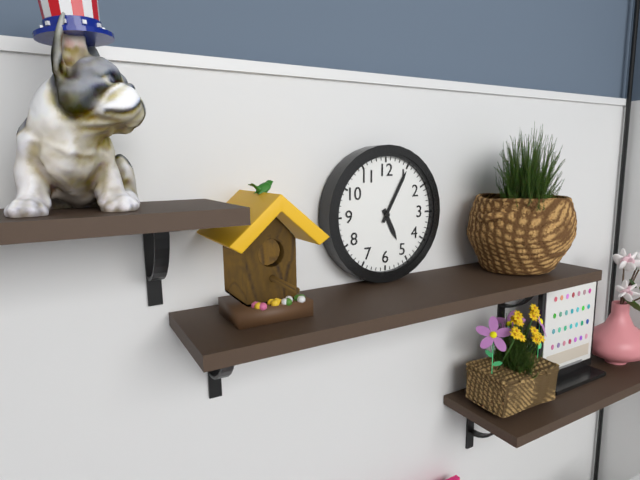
5,05
